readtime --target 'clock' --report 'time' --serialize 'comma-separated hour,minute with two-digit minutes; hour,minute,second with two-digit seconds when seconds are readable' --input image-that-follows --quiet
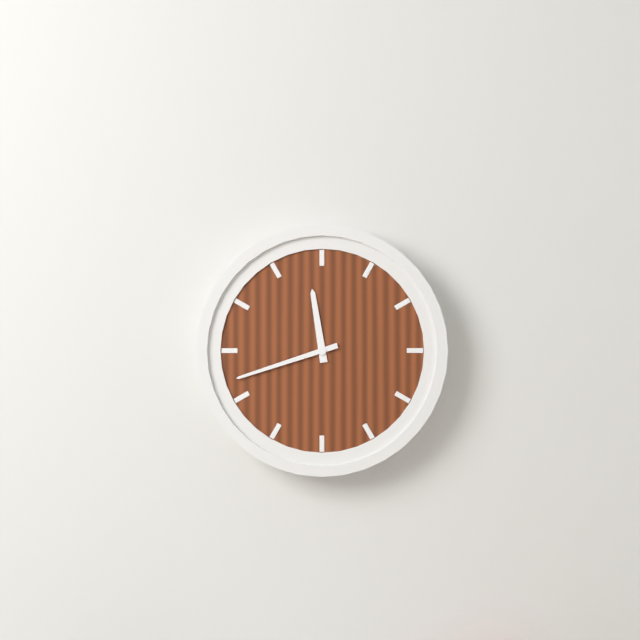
11,42
